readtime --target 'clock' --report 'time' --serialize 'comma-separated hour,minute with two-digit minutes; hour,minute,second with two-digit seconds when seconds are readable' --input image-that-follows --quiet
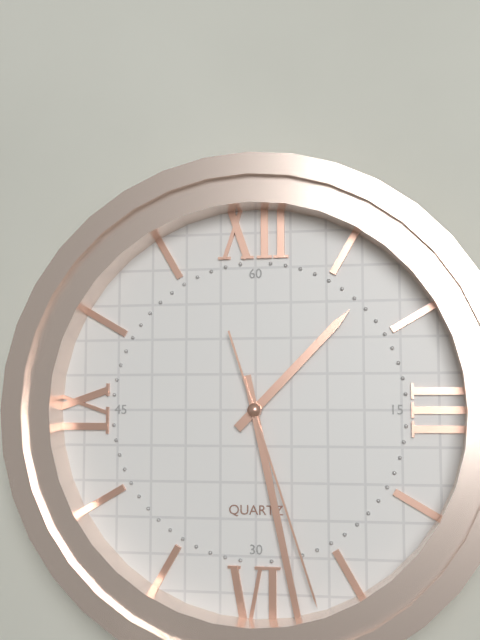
1,28,27
